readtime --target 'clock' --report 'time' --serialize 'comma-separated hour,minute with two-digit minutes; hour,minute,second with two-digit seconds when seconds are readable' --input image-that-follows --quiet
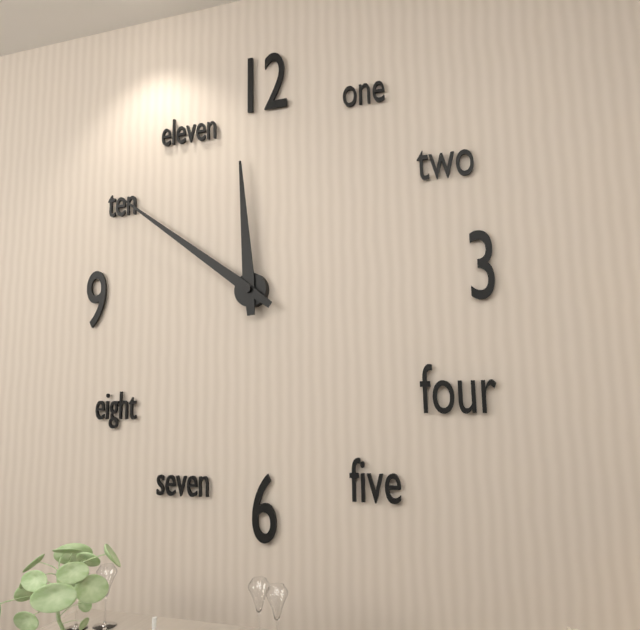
11,51
